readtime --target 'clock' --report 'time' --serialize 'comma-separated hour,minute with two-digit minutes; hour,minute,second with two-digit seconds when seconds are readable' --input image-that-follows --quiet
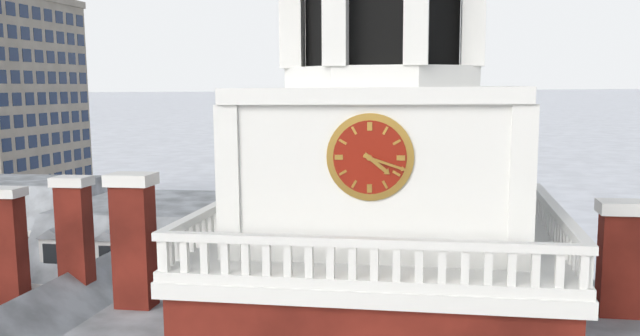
4,18
